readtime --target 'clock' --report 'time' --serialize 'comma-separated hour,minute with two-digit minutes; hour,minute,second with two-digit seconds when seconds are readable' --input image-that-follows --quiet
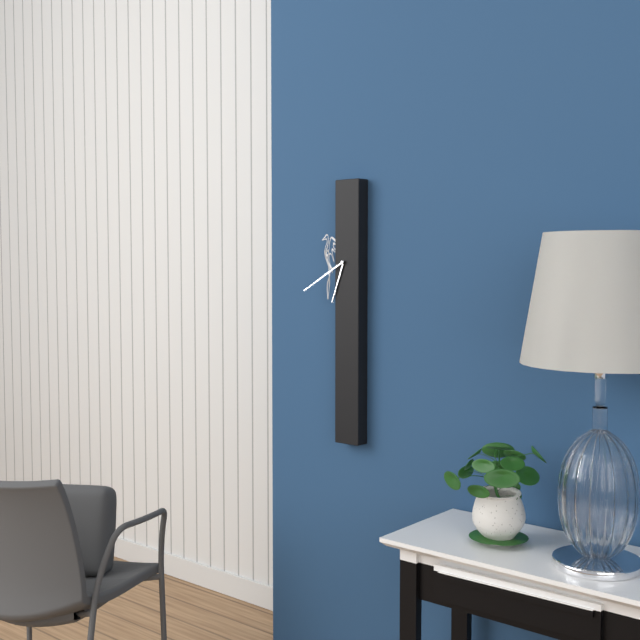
6,40
